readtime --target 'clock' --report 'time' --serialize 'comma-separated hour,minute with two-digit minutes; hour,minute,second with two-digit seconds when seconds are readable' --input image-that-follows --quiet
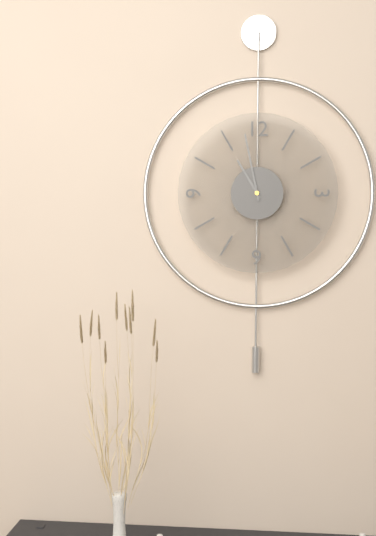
10,58
